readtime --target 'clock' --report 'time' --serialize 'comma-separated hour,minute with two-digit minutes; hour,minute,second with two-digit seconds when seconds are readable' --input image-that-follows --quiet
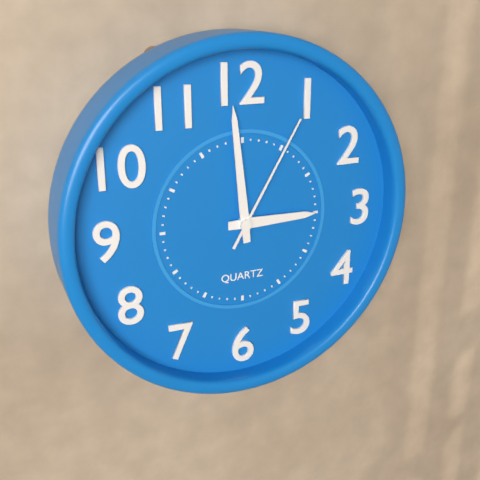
2,59,05
